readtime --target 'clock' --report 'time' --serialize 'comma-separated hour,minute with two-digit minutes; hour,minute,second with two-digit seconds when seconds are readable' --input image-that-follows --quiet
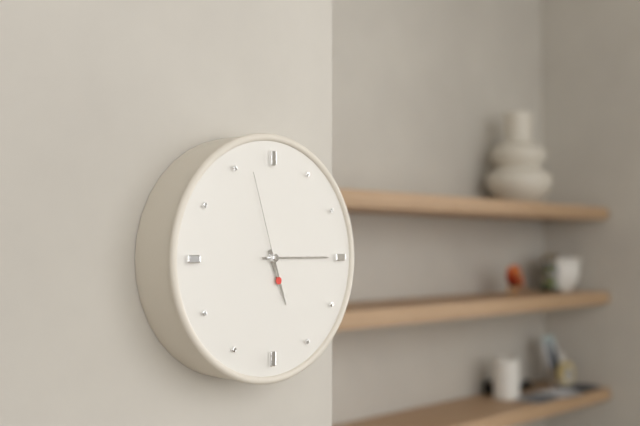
5,15,57
